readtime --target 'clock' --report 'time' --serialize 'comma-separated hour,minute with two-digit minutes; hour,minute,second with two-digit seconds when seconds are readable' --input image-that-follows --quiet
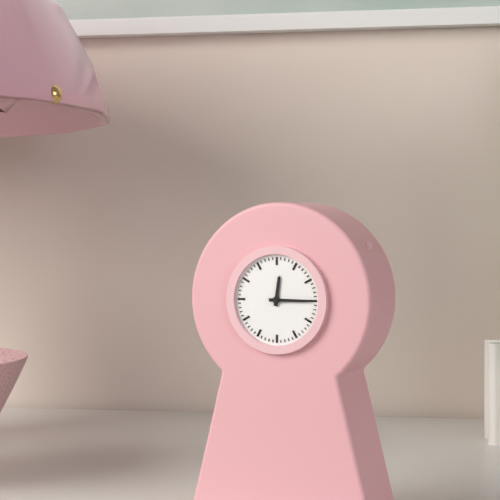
12,15
